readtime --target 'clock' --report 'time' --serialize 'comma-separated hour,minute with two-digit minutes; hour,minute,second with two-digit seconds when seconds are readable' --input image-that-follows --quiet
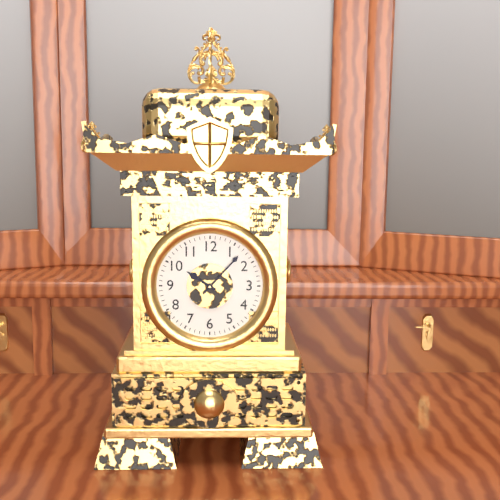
10,07
